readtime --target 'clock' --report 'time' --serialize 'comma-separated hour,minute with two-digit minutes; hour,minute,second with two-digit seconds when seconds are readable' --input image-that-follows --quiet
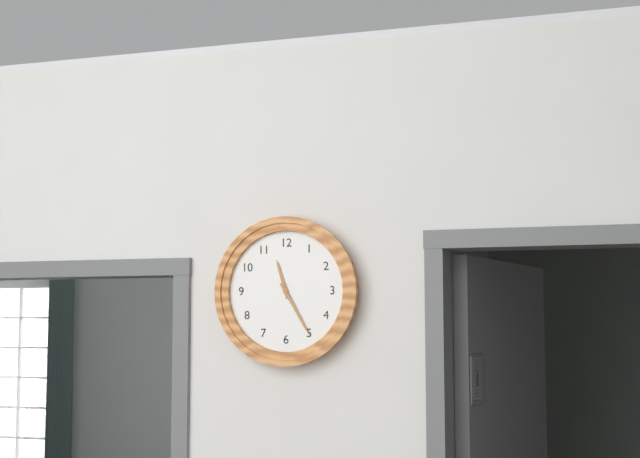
11,25
